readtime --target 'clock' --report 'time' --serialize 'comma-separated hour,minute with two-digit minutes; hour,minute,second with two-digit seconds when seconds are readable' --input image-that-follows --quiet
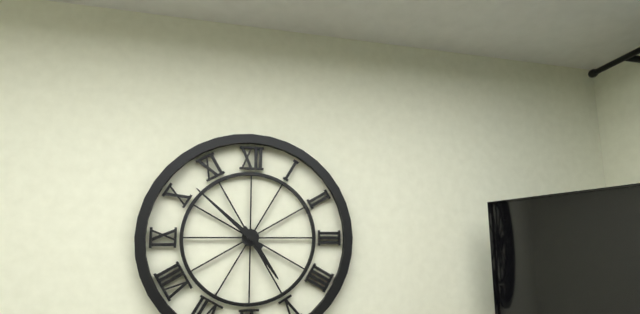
4,52
